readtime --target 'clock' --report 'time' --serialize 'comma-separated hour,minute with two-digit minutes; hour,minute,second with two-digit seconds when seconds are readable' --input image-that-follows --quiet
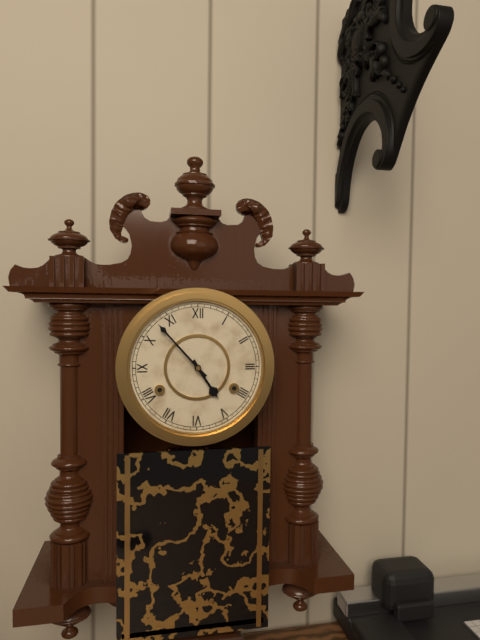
4,53
